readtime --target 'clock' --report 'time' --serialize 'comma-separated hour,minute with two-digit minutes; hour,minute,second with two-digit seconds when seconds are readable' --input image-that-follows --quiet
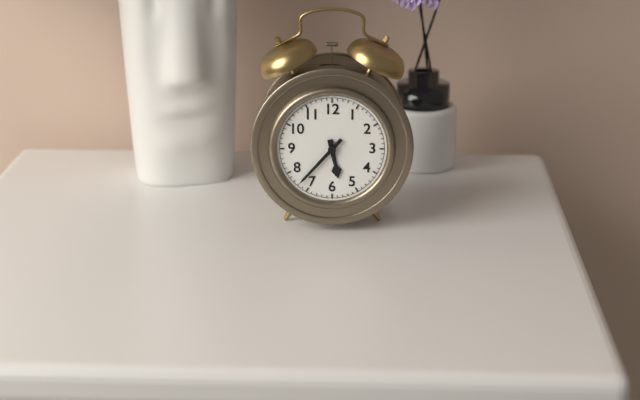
5,37
